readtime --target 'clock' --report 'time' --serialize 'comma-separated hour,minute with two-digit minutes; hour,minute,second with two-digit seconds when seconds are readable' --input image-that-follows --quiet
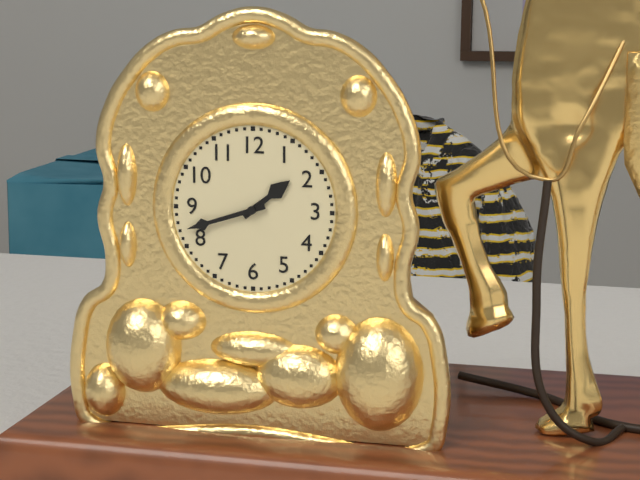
1,42
